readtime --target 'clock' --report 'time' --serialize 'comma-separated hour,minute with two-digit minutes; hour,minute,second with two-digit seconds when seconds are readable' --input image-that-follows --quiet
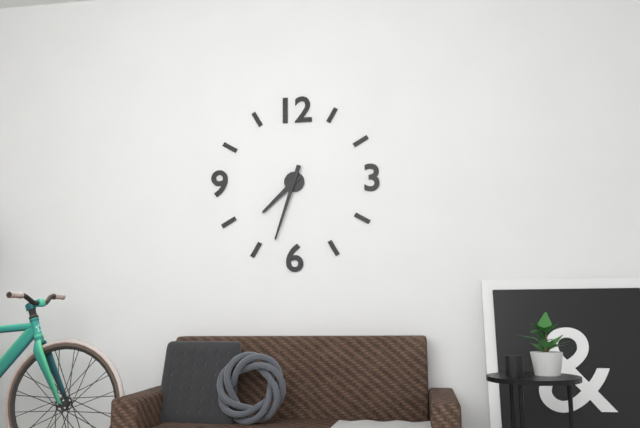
7,33
